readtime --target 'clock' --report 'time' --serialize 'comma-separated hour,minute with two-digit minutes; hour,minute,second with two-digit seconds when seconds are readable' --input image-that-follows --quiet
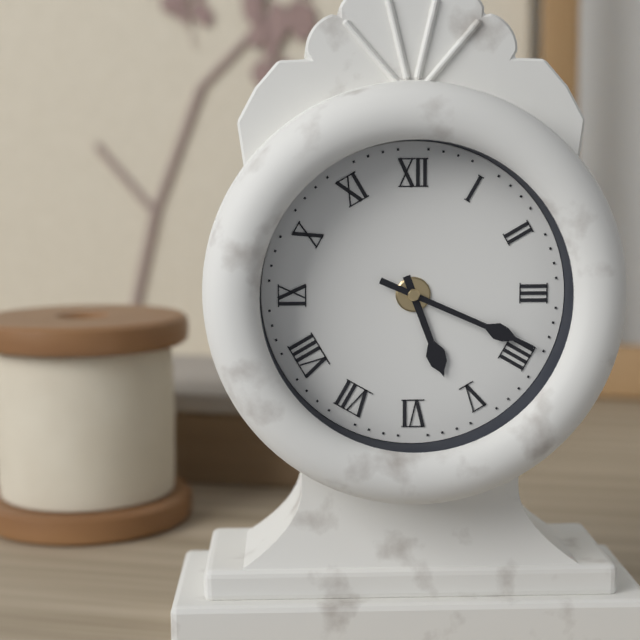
5,19
